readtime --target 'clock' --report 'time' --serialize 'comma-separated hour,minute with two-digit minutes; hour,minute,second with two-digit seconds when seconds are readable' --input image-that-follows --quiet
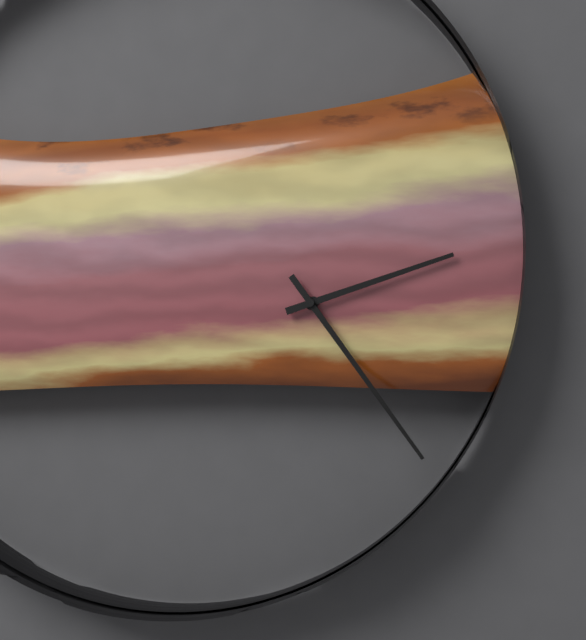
2,24
